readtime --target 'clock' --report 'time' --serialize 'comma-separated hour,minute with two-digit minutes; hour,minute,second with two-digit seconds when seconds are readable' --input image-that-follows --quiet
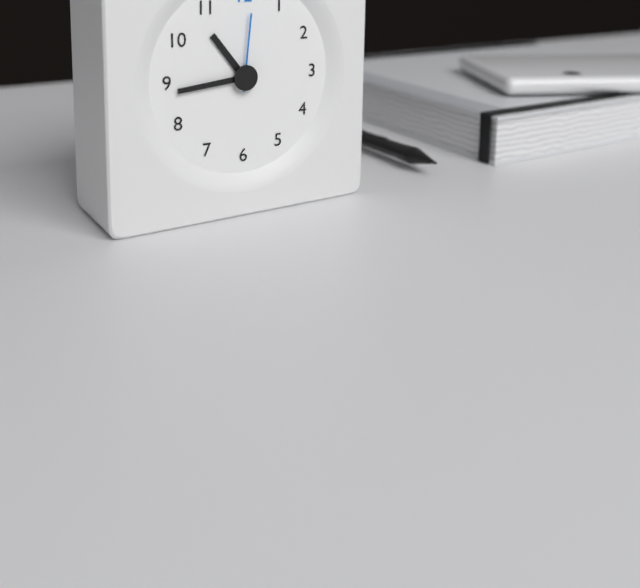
10,44,01
